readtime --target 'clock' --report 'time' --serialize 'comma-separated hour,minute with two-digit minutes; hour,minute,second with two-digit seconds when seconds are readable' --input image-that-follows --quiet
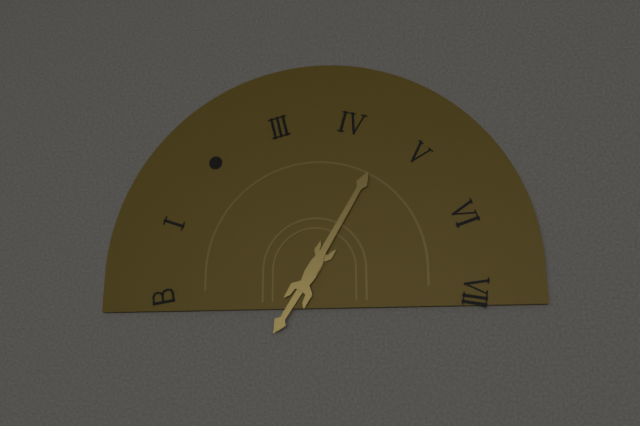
7,05
